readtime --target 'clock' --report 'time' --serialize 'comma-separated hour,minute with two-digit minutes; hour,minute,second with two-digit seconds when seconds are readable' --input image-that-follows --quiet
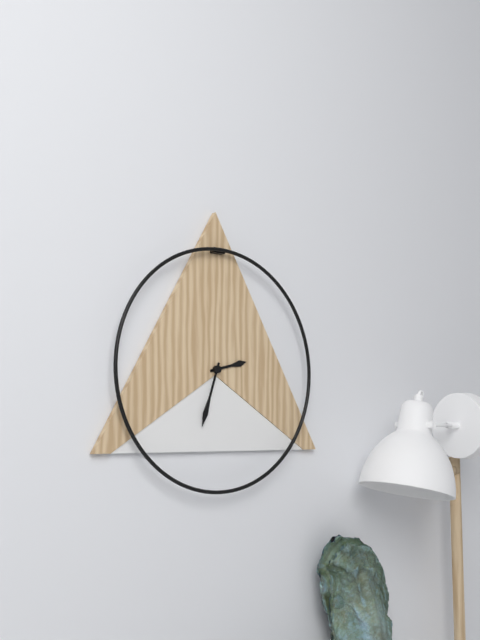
2,33
